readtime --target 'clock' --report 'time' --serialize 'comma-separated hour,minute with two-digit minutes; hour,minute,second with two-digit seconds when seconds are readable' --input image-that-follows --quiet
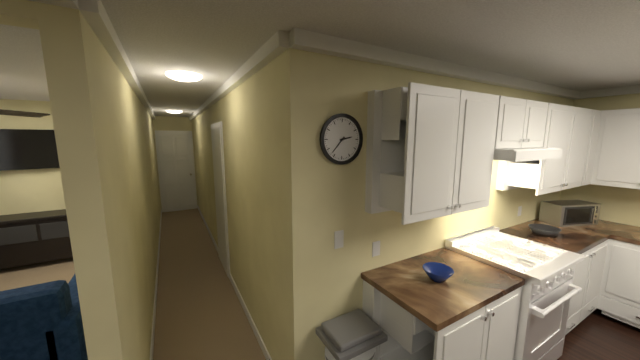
2,37
